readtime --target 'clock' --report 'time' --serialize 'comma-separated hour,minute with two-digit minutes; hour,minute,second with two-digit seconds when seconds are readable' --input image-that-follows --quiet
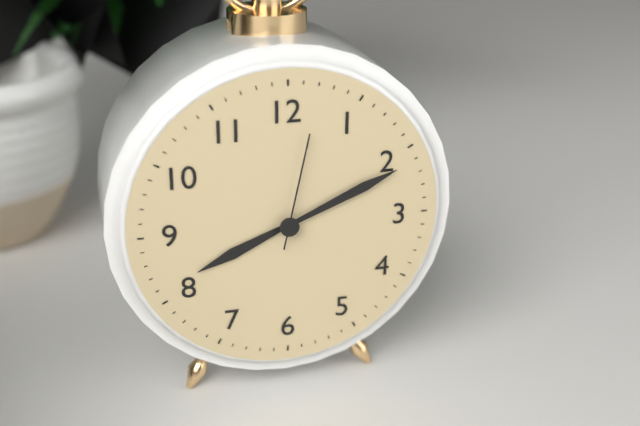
8,11,02
